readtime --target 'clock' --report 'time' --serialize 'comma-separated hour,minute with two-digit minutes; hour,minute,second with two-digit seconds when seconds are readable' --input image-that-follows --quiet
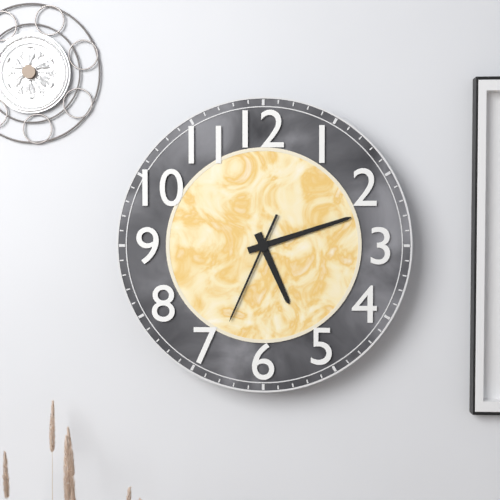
5,12,34
